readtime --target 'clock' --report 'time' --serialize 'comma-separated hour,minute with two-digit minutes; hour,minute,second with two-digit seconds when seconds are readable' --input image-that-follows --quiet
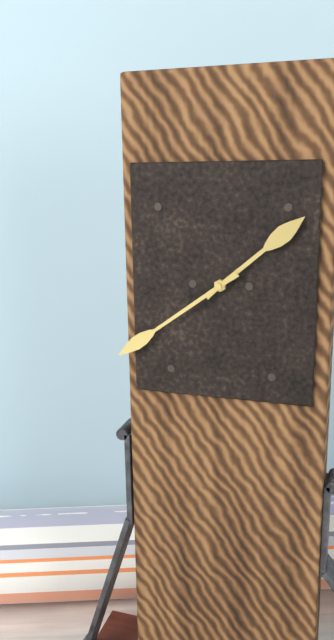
1,39
